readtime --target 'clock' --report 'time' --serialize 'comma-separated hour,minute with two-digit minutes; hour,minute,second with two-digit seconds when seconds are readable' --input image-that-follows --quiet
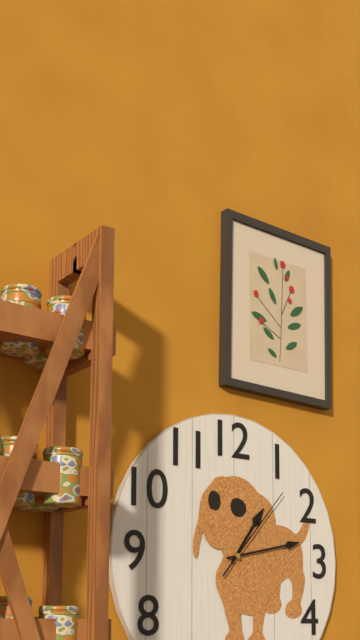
1,13,07
